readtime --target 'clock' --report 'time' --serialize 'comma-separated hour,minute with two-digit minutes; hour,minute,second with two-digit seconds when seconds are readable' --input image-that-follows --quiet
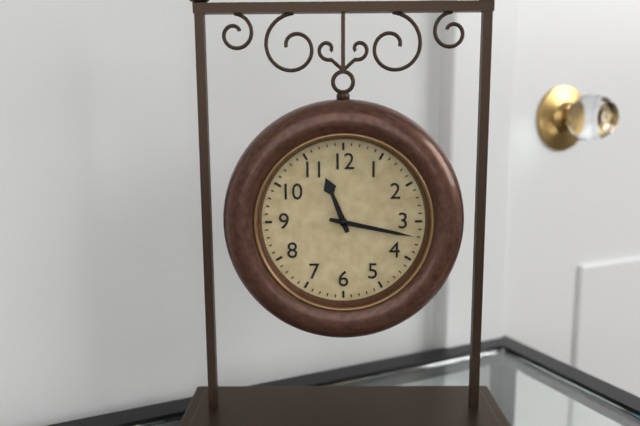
11,17
